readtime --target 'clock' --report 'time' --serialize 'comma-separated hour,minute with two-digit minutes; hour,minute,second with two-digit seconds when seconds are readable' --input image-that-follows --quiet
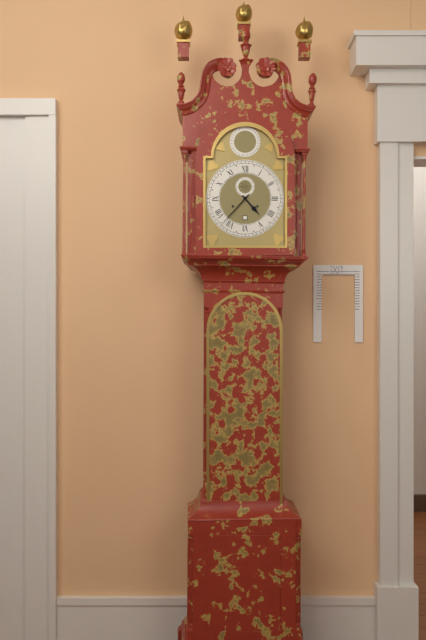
4,37
